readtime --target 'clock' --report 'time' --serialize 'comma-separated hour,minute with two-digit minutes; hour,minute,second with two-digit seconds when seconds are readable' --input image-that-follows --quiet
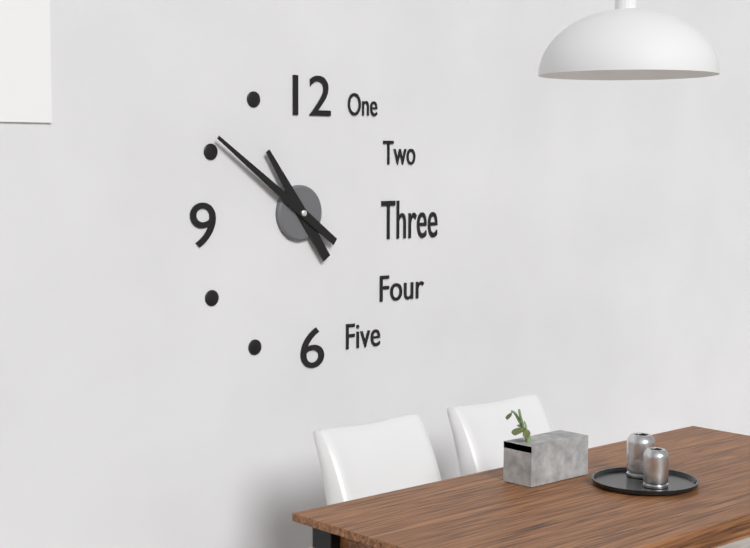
10,51
